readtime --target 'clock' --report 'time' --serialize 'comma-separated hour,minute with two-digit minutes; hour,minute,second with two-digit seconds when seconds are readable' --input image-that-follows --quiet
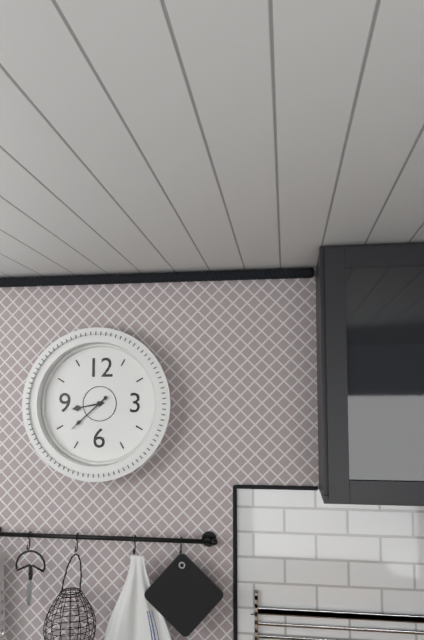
8,38
